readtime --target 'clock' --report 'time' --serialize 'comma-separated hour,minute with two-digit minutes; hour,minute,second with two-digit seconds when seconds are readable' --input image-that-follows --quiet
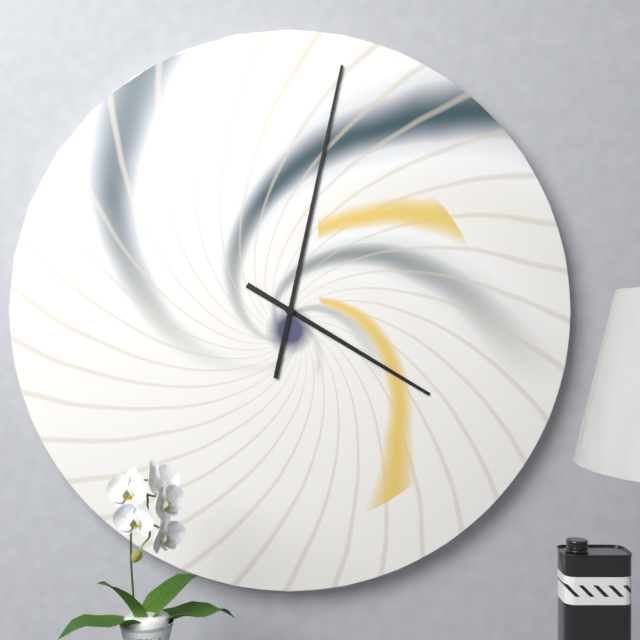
4,02
